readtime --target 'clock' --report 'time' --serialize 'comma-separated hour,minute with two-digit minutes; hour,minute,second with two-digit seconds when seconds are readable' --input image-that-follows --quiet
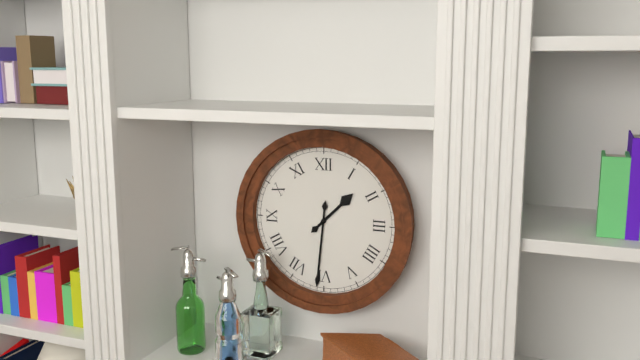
1,31
